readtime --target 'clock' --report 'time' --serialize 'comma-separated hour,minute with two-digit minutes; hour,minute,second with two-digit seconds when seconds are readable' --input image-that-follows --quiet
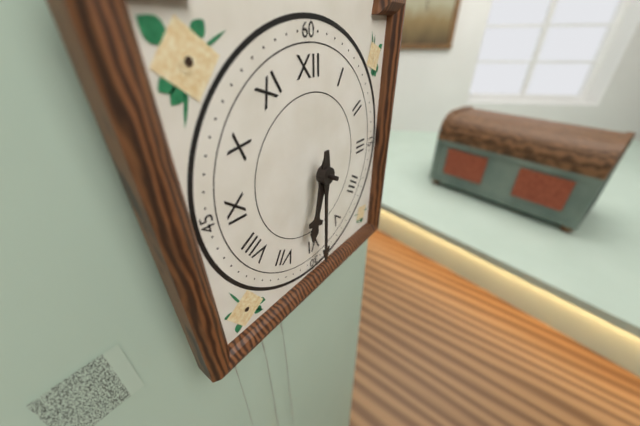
6,30
